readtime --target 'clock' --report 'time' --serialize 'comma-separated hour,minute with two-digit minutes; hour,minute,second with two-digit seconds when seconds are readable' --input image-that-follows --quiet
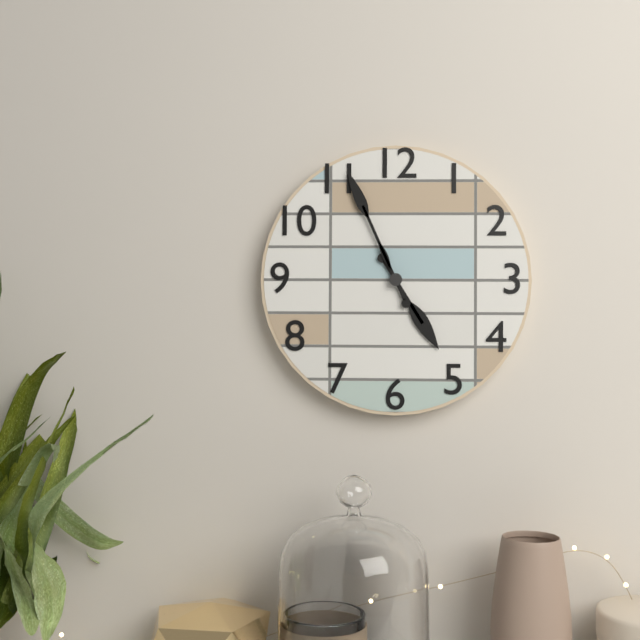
4,56
